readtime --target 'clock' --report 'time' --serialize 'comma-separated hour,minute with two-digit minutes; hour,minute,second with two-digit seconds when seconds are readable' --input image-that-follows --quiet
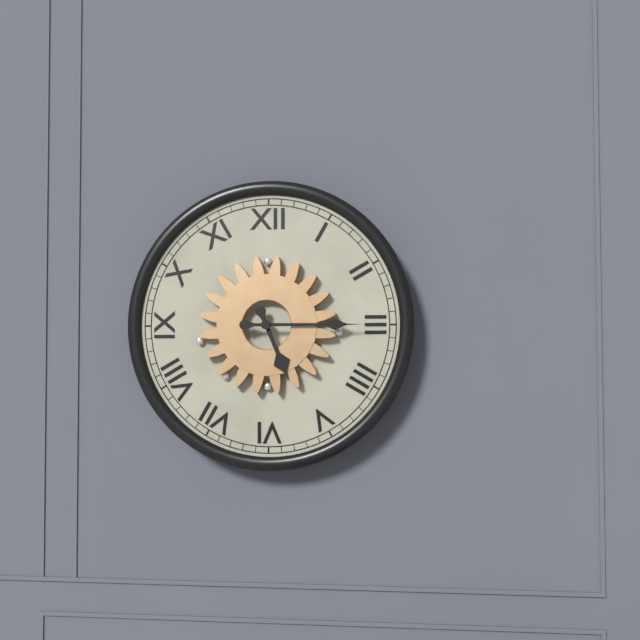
5,15
